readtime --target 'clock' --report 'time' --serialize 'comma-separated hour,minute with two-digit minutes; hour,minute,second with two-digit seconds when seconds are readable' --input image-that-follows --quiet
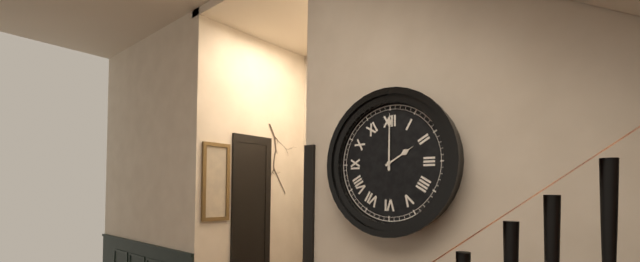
2,00
